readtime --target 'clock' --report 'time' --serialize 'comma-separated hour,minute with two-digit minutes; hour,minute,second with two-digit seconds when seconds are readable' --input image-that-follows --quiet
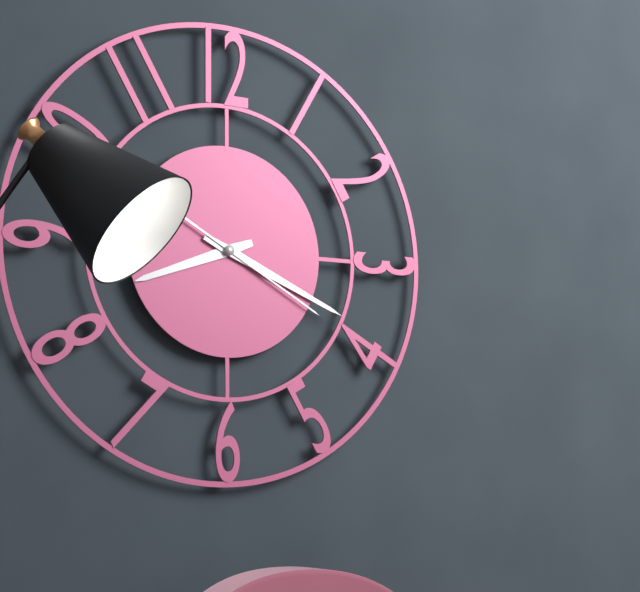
8,19,20
